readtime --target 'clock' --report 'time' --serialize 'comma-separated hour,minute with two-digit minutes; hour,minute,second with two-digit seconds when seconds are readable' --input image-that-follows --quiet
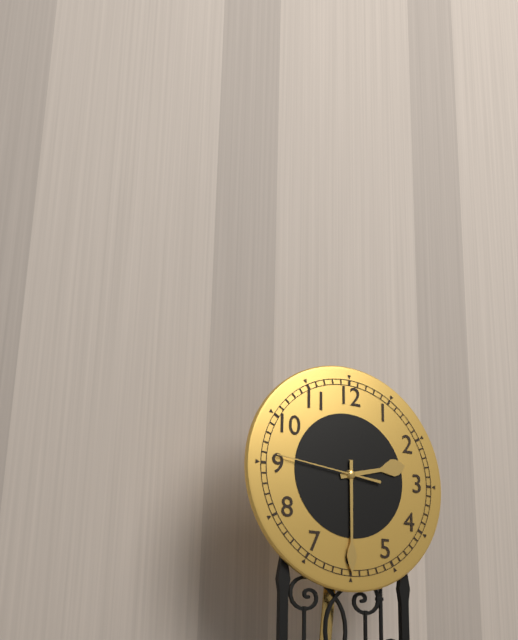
2,30,46
